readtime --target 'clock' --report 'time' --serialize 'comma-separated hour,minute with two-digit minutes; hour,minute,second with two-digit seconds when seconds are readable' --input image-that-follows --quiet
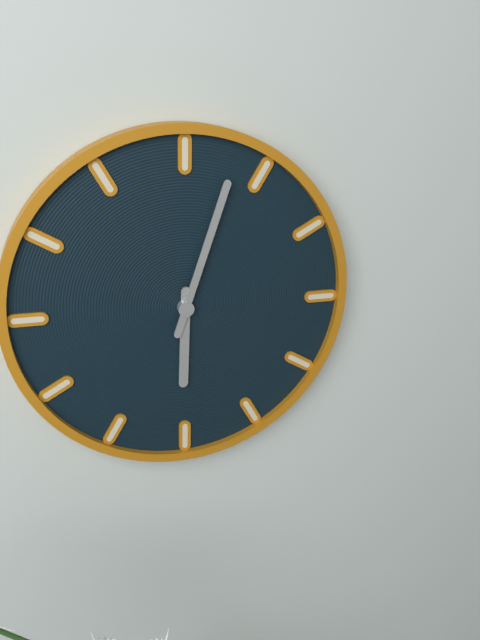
6,03
